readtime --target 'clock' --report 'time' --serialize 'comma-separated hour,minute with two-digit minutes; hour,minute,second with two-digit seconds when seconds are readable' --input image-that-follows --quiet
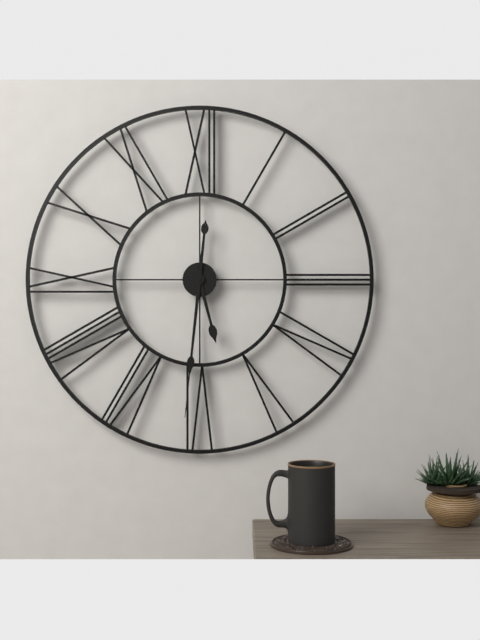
5,31
